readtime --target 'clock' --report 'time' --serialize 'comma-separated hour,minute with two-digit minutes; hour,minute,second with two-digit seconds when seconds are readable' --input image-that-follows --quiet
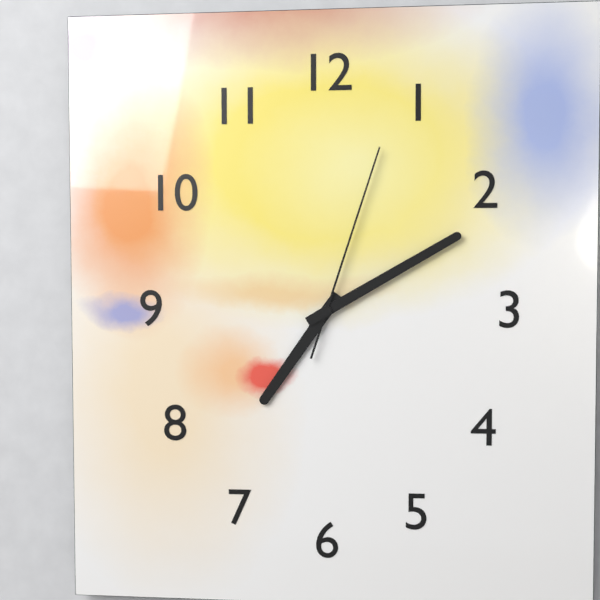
7,10,03
